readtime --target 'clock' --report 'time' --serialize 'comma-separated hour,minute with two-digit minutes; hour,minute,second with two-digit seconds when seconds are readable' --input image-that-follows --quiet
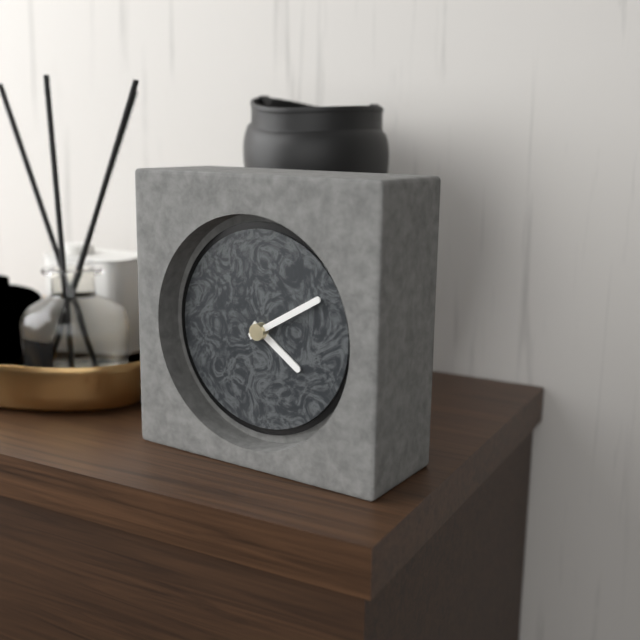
4,10
